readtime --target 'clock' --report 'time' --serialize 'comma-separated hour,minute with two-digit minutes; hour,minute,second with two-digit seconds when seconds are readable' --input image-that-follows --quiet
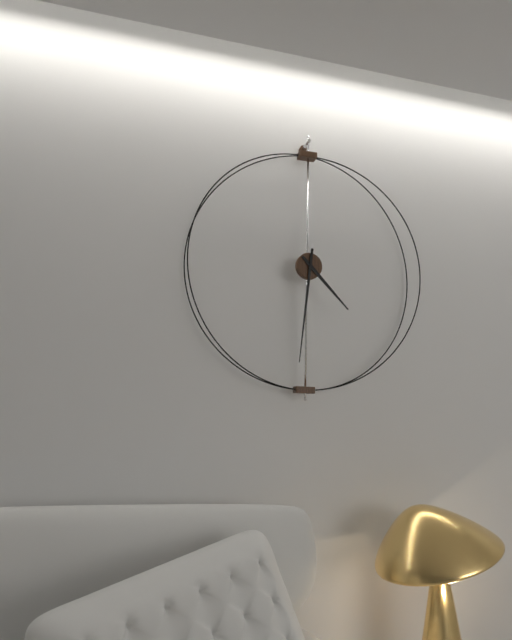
4,31
